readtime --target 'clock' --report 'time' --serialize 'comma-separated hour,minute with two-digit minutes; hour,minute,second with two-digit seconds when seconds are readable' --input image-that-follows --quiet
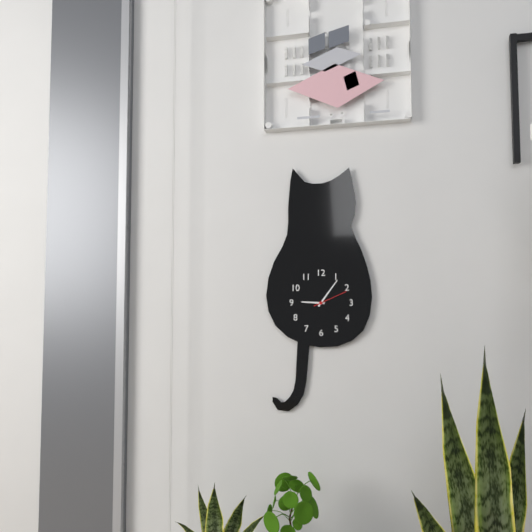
9,06
